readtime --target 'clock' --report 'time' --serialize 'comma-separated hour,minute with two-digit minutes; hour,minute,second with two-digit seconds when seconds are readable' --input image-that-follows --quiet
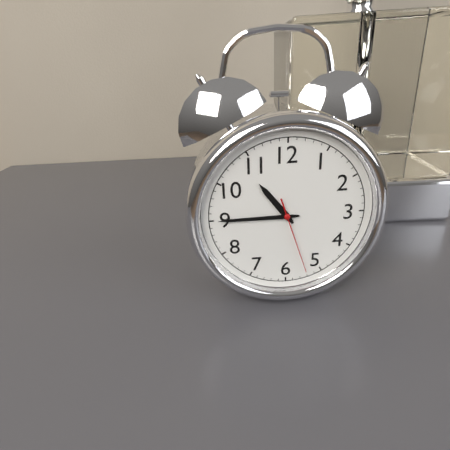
10,45,27
